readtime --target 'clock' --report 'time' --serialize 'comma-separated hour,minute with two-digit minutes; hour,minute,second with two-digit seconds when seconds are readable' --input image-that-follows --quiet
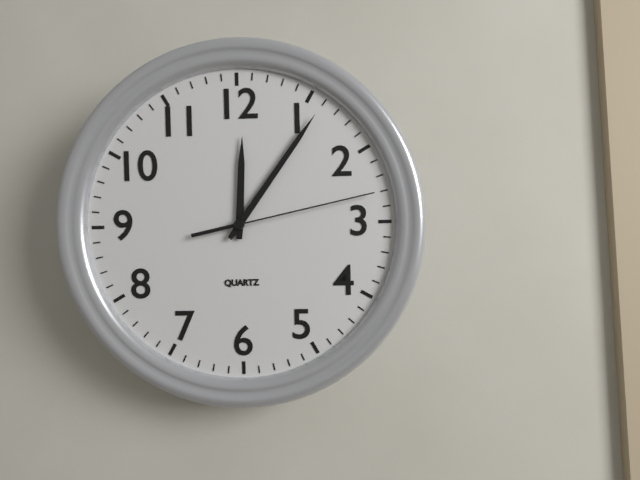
12,06,13
